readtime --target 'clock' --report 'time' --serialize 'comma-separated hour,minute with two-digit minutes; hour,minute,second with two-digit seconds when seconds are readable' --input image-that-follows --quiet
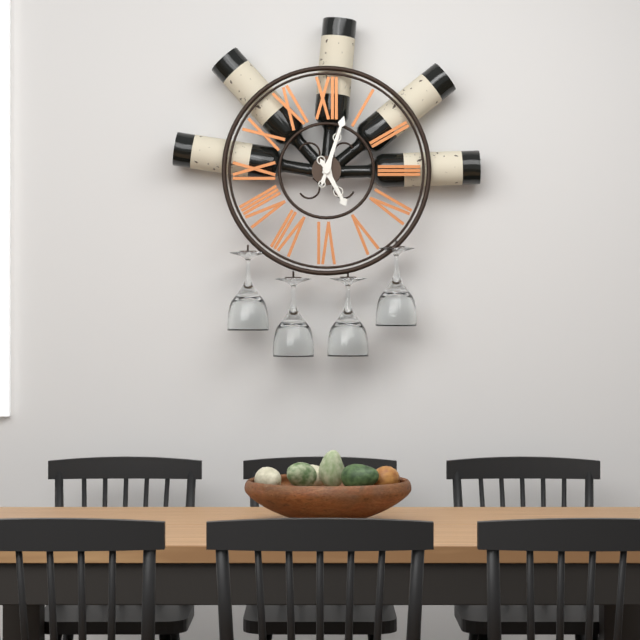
5,03
